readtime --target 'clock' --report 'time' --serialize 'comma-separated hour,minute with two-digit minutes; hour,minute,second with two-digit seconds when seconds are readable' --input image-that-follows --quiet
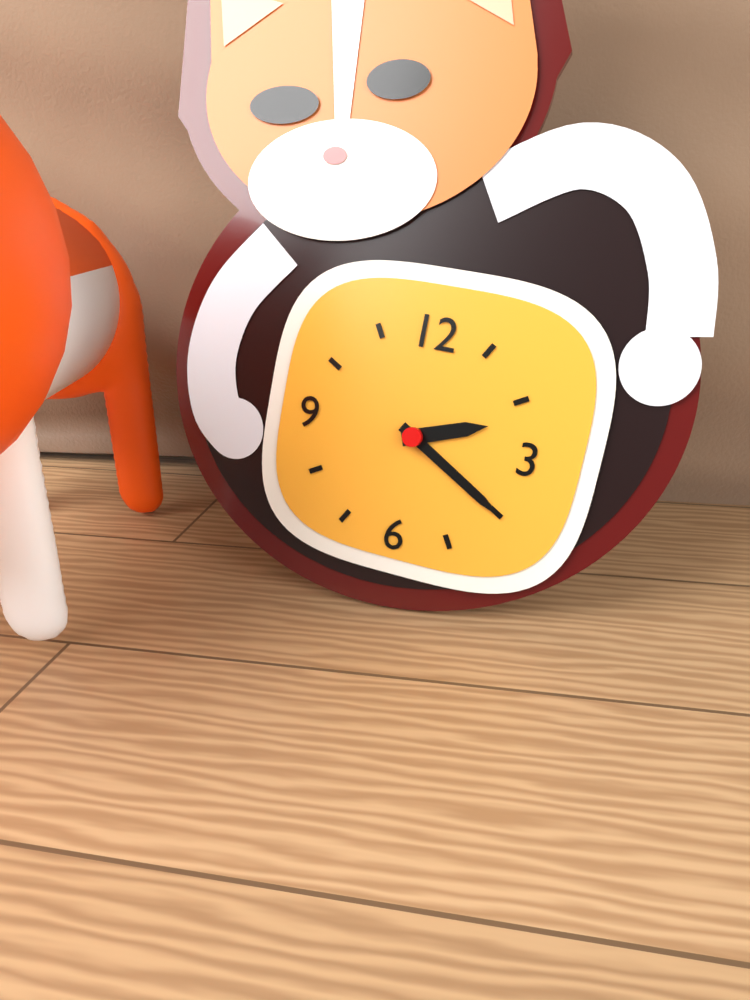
2,20
